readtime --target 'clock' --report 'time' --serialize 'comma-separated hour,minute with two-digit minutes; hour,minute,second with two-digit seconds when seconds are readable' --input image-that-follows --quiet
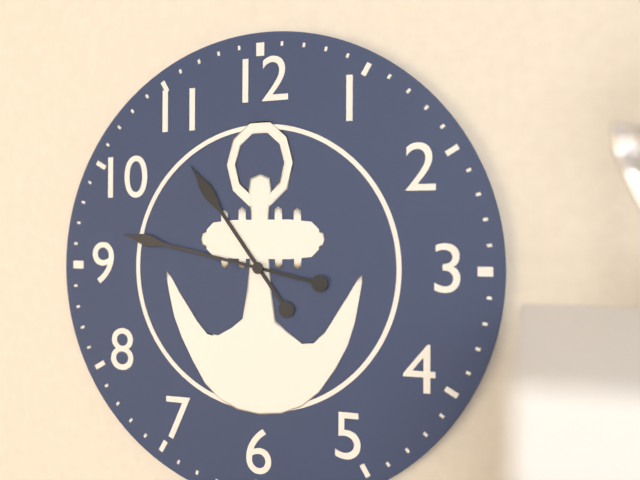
10,47
